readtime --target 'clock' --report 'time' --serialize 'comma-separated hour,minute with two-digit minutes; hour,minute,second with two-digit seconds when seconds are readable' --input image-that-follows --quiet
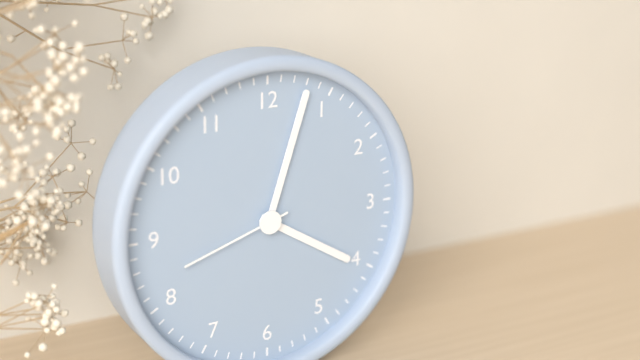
4,03,42
